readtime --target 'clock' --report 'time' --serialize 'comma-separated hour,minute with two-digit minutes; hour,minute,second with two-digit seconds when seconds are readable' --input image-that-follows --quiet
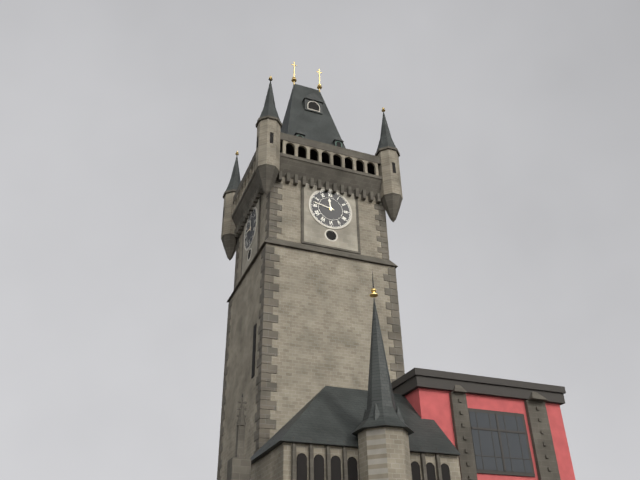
11,47
